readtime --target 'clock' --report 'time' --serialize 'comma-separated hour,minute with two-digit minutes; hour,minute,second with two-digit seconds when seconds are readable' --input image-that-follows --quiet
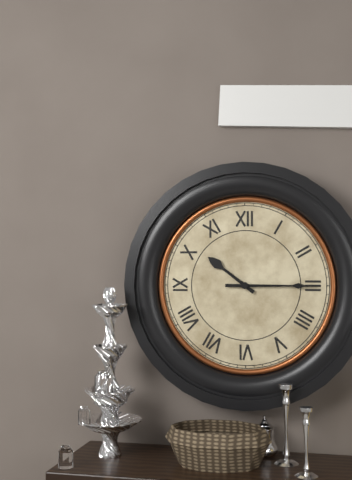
10,15
